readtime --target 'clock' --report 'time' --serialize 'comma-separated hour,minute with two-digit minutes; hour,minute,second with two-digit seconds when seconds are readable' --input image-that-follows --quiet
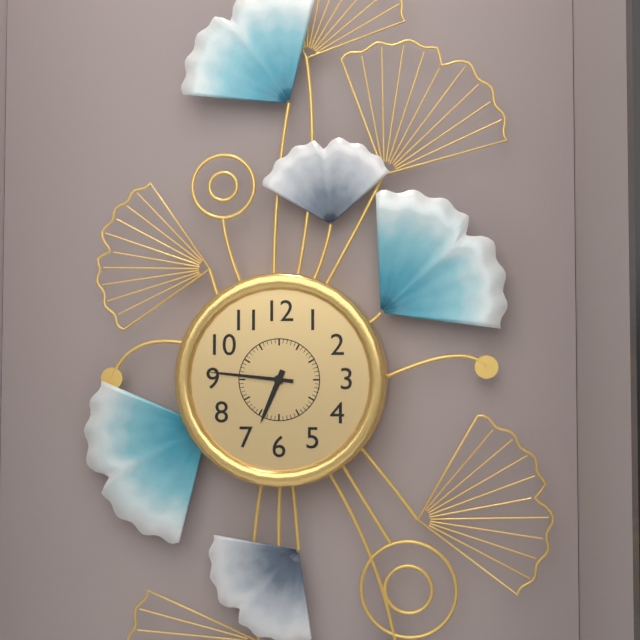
6,46
